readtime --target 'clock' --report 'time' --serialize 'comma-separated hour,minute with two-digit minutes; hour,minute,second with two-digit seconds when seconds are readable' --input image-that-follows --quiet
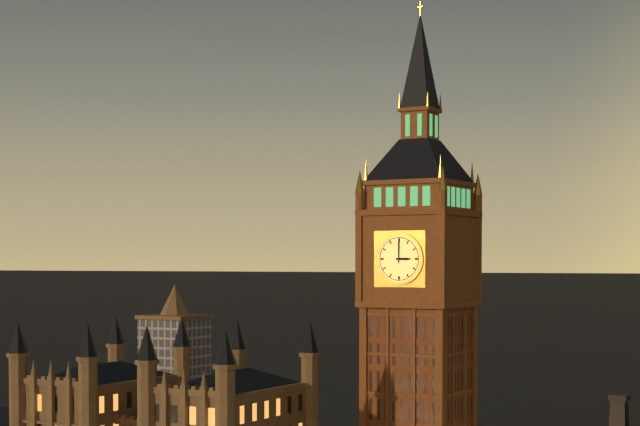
3,00
